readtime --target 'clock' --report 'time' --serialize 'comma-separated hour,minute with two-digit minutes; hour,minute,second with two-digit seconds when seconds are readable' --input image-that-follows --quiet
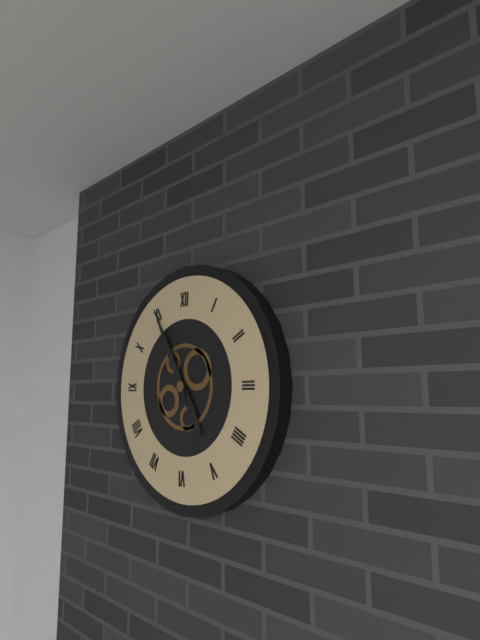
4,55
